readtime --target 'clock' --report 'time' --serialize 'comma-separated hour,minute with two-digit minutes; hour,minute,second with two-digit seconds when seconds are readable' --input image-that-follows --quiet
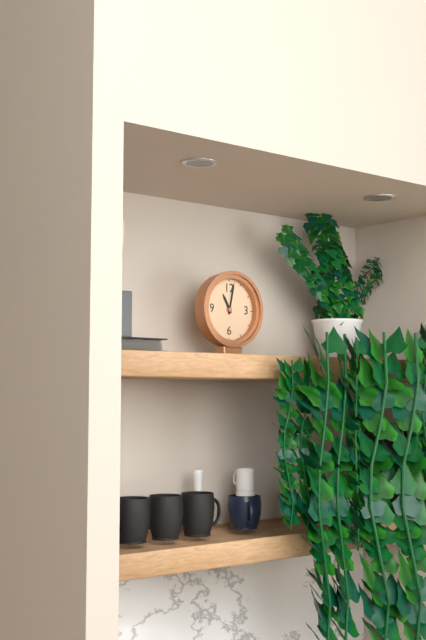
11,02
